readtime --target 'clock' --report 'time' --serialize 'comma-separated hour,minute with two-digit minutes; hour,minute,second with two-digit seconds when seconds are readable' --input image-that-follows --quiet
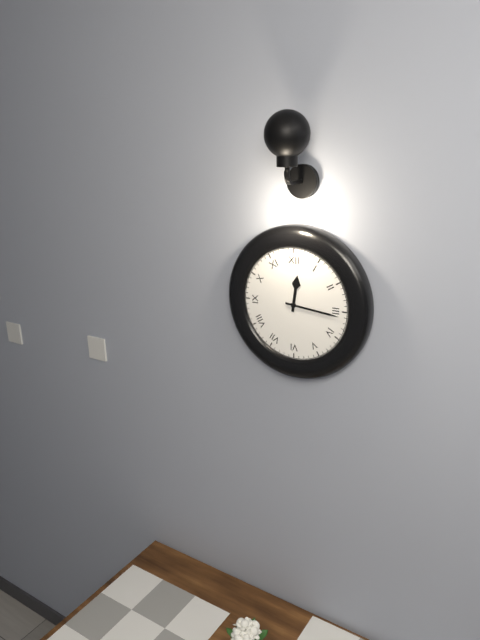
12,16
